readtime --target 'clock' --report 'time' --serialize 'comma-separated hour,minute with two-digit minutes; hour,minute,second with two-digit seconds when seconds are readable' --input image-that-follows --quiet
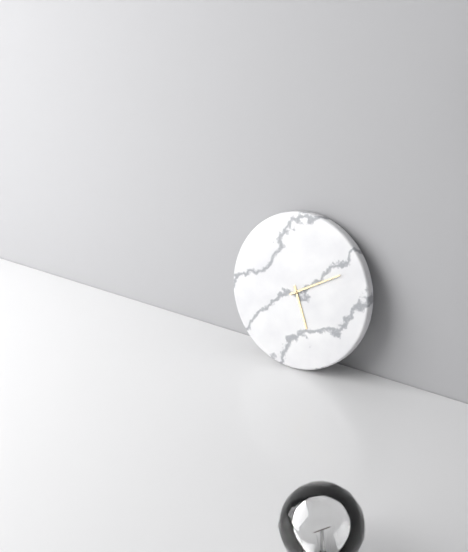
5,10
